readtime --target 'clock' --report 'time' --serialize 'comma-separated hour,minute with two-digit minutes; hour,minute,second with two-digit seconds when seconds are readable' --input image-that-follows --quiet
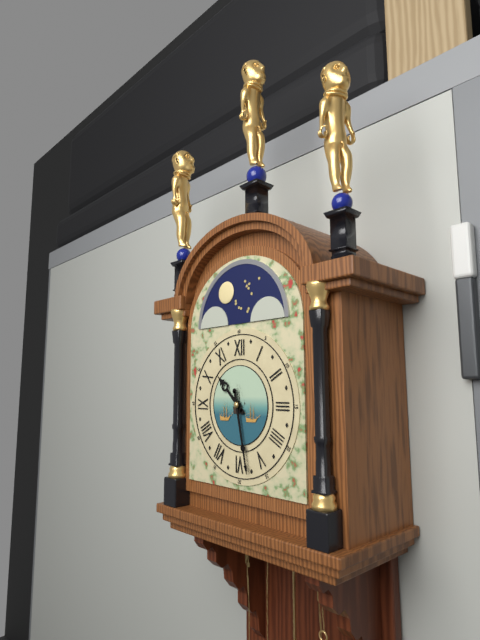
10,28
